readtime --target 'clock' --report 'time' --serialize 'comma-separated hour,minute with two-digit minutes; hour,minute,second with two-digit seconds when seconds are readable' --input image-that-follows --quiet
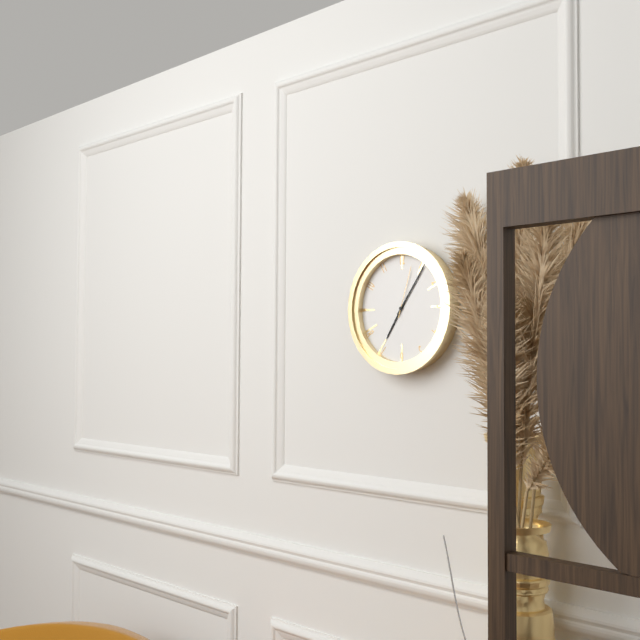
7,06,03
